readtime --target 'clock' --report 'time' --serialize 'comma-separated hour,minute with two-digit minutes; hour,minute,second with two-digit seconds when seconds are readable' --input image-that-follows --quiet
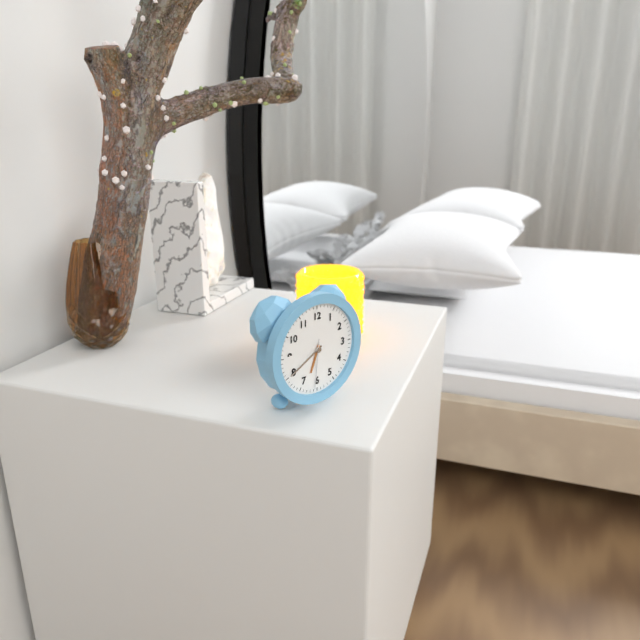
6,40
